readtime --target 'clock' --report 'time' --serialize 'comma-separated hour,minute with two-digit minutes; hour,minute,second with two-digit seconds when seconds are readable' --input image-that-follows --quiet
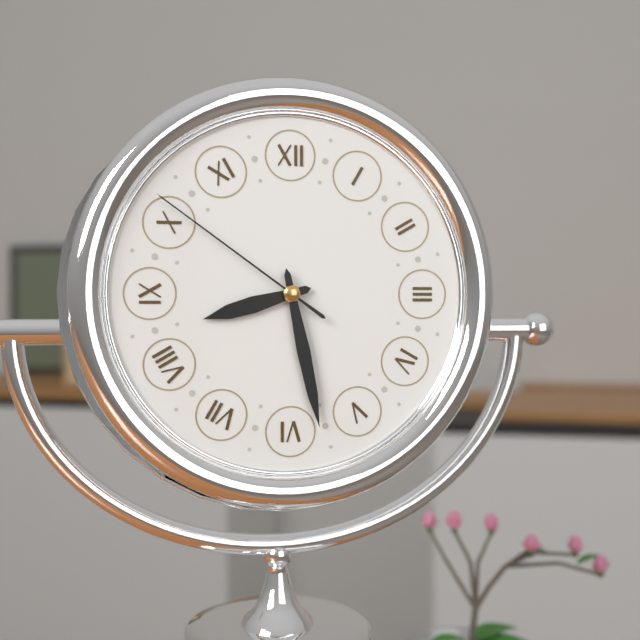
8,28,51
